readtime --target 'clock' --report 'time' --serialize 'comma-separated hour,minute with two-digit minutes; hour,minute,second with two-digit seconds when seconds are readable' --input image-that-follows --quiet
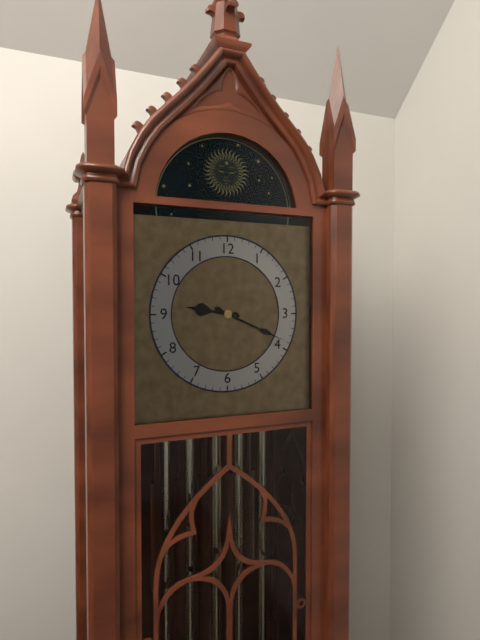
9,19
